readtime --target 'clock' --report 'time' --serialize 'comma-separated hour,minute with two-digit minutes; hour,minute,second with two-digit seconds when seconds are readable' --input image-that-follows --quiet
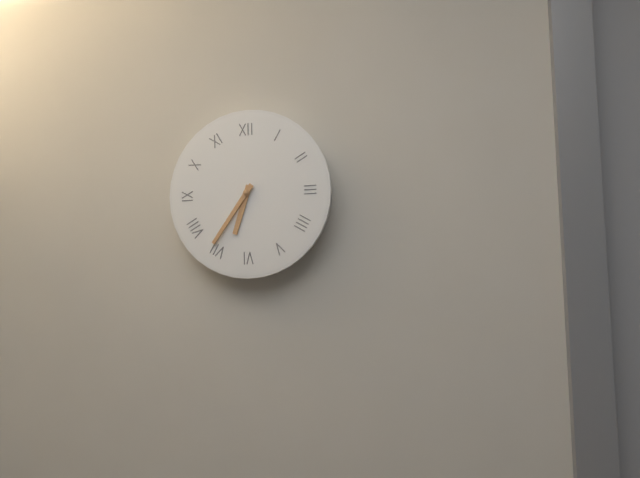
6,36
